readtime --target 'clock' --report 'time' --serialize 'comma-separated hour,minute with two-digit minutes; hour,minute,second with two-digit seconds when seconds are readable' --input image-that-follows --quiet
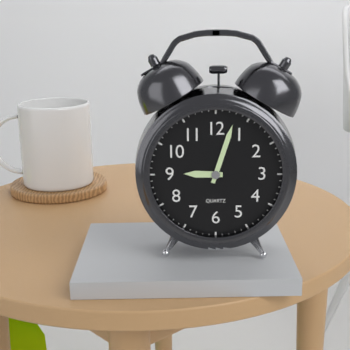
9,03
